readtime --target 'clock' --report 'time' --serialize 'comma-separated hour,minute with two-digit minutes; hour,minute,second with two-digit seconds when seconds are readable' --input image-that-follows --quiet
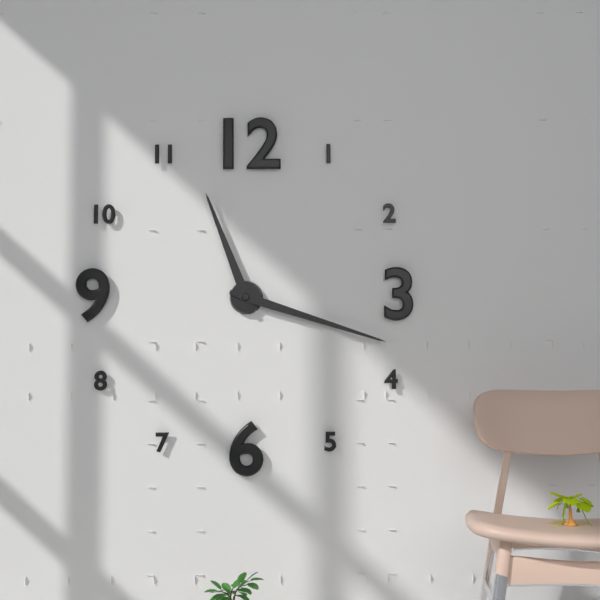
11,18
